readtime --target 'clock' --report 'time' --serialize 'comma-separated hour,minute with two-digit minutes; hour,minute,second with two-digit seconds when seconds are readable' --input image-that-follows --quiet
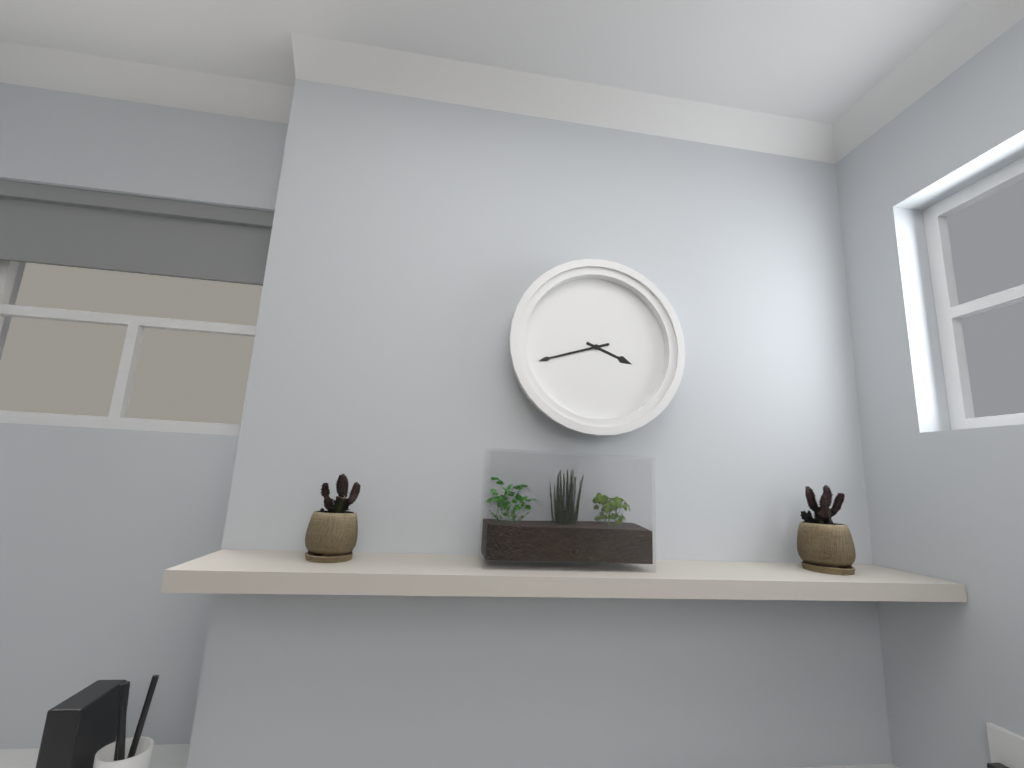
3,42
